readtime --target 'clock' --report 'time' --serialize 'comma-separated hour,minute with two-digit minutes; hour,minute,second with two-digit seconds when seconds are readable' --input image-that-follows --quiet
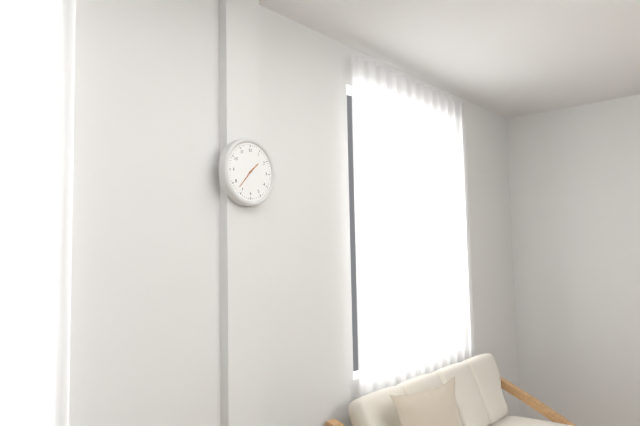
1,37
